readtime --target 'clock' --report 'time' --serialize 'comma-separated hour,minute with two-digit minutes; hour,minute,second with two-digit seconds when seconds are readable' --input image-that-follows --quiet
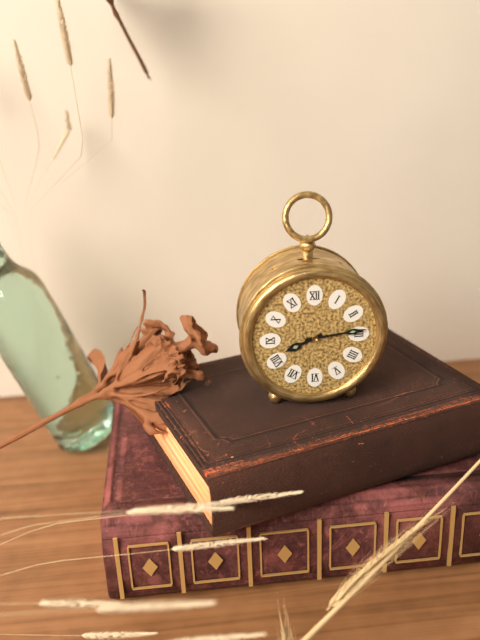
8,14
